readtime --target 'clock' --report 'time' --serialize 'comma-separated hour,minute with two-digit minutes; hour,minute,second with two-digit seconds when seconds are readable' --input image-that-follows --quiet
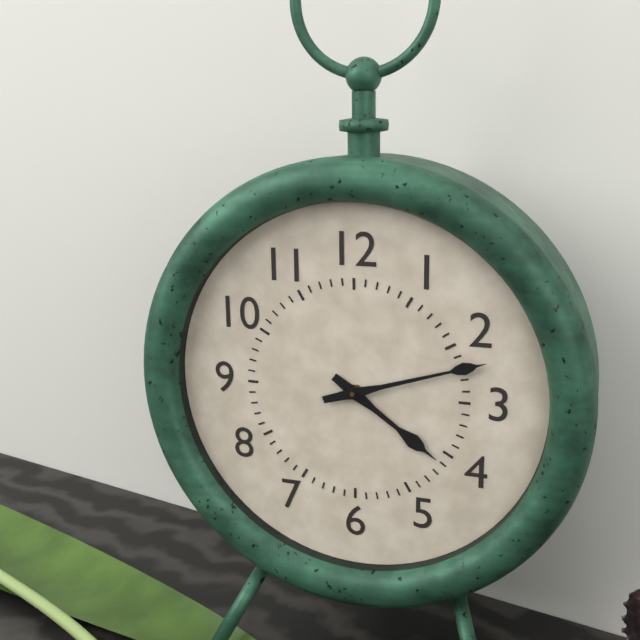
4,12
